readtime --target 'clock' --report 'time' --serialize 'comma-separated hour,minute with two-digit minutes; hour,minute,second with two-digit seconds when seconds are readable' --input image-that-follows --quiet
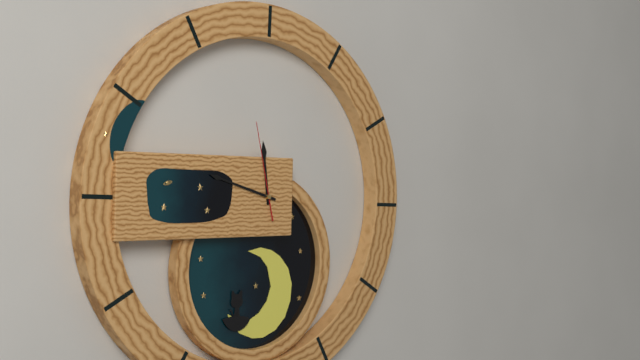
11,48,58
